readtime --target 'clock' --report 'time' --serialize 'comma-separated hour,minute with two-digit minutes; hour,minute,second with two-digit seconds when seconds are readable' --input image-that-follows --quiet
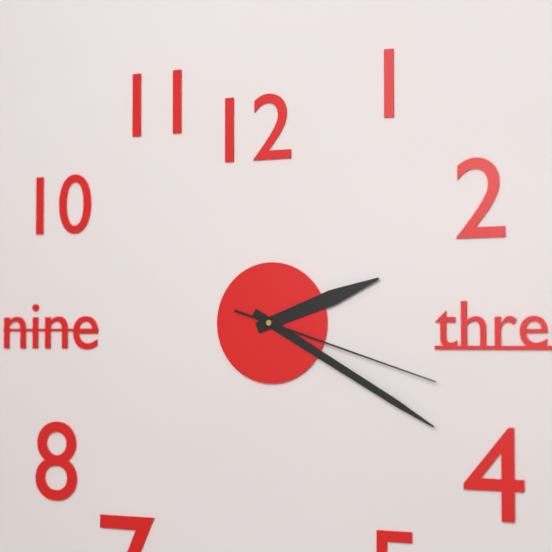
2,20,18
